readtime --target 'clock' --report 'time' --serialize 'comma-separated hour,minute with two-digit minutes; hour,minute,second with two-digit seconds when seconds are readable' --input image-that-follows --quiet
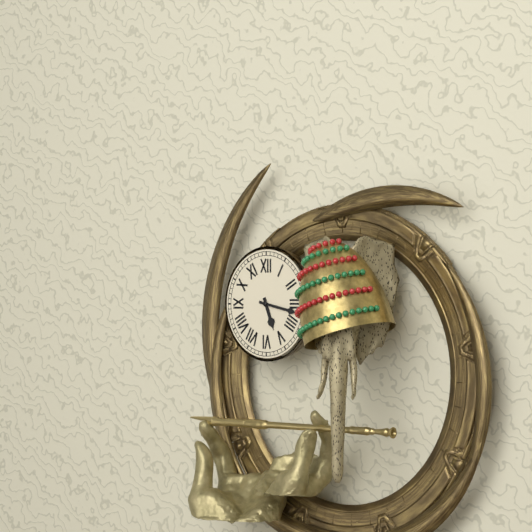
5,17
